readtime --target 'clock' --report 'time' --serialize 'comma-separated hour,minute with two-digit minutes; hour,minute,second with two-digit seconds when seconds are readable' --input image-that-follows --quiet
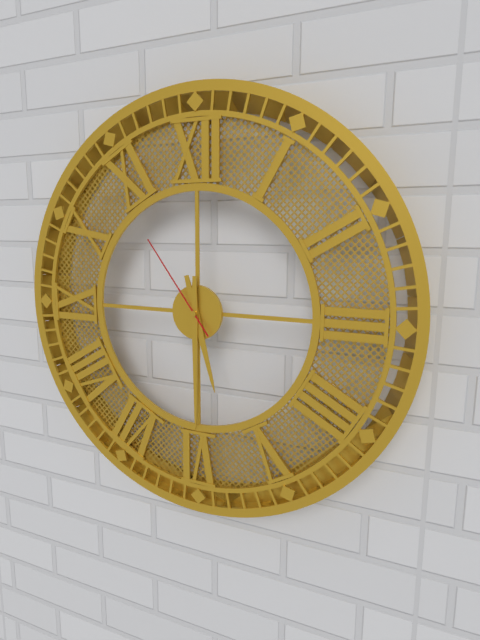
5,30,54
